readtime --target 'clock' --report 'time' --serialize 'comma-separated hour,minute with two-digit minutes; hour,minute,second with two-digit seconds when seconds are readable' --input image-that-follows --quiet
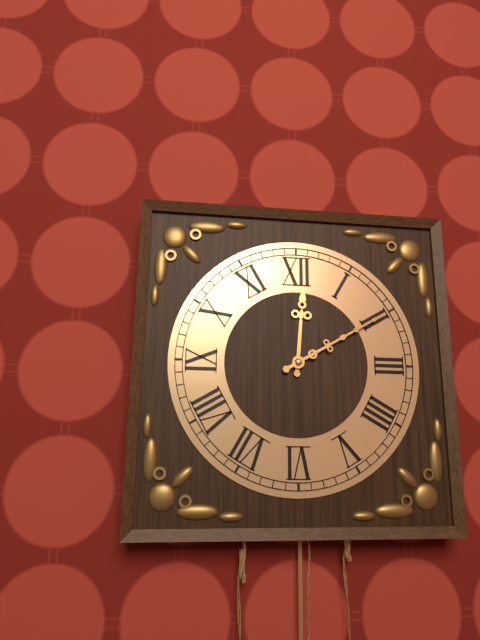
12,10
